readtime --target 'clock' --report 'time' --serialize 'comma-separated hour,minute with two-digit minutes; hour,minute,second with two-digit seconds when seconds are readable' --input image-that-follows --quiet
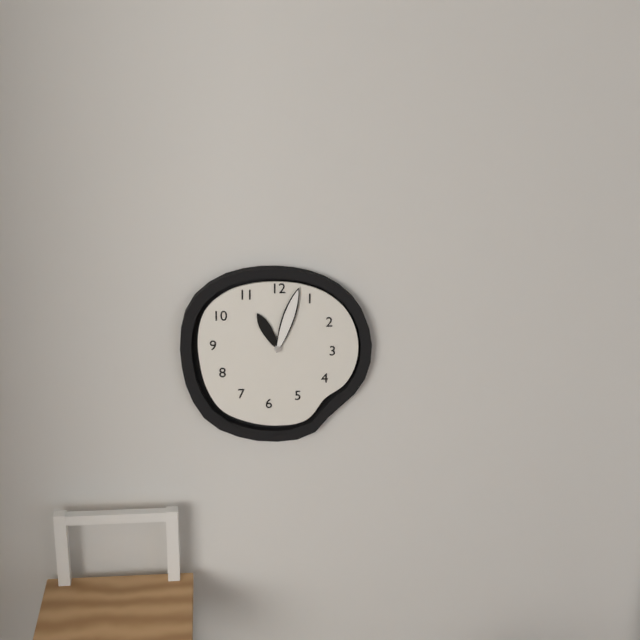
11,03
